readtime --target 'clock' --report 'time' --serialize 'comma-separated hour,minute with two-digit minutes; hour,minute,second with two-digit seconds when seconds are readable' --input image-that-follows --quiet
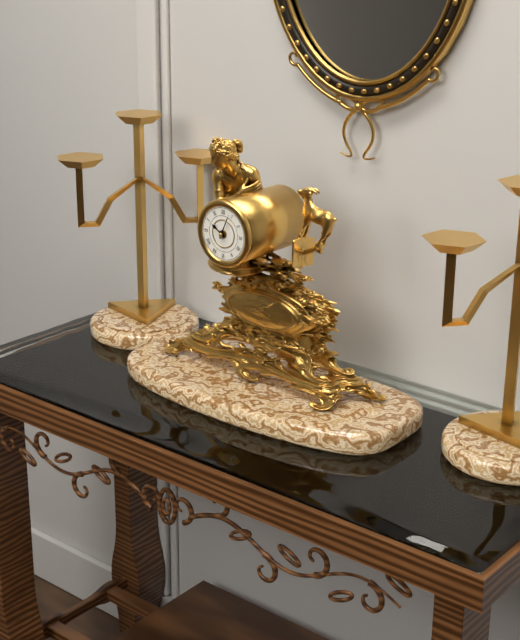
10,04
